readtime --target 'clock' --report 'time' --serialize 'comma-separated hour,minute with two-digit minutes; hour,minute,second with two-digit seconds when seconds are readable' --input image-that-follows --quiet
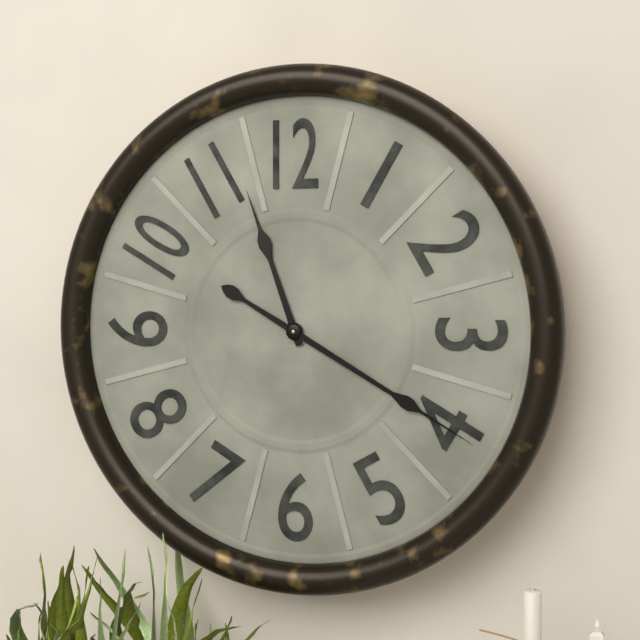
11,20
